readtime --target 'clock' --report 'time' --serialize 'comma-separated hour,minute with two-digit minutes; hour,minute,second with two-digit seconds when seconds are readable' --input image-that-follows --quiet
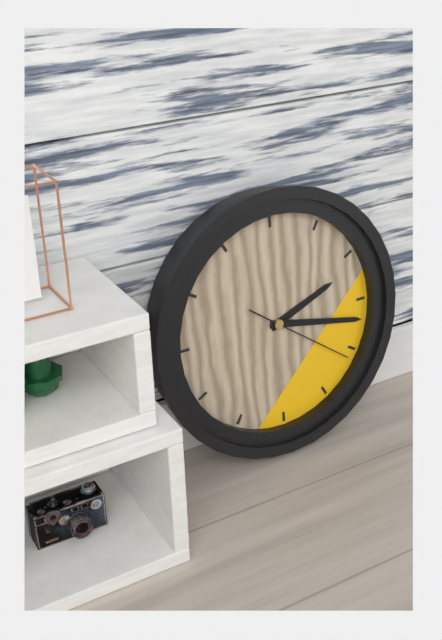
2,17,21
